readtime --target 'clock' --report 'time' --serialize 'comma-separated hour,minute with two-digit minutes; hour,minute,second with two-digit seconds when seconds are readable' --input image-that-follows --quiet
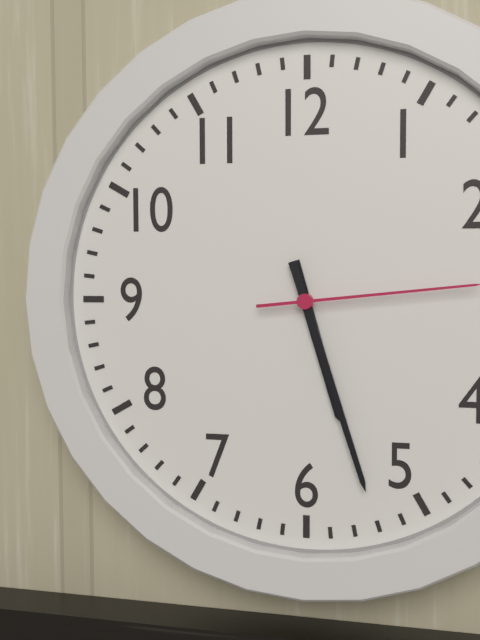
5,27
